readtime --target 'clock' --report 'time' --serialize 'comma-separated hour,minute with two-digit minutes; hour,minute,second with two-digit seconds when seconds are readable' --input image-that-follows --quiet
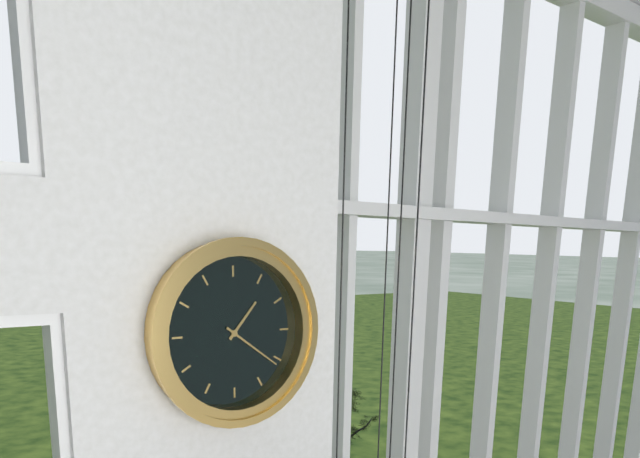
1,21
